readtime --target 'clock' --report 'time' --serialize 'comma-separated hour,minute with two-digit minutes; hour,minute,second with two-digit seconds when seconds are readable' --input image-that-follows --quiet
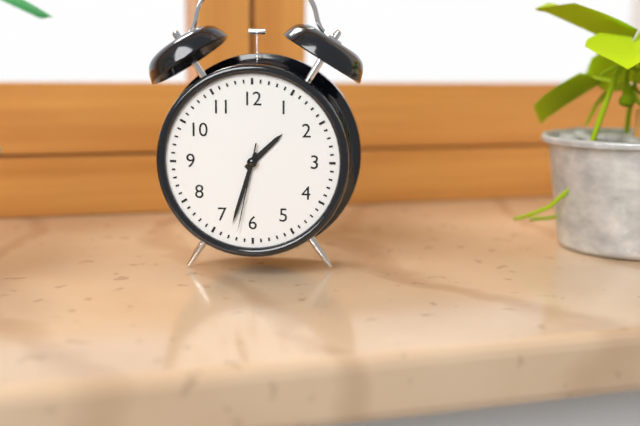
1,33,32
